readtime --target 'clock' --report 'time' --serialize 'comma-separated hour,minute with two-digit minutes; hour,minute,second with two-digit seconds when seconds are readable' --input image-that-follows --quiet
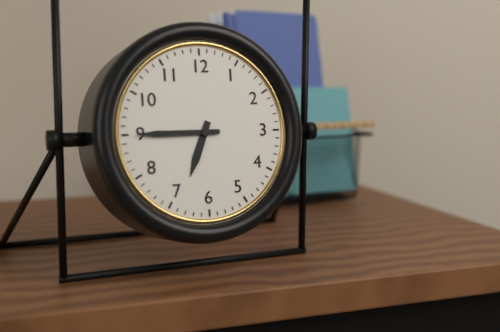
6,45
